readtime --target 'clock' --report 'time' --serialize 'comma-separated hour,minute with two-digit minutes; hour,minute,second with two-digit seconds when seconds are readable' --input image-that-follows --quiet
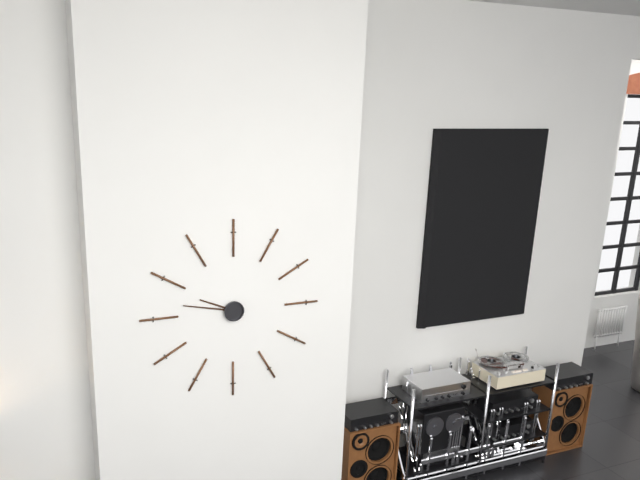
9,47
